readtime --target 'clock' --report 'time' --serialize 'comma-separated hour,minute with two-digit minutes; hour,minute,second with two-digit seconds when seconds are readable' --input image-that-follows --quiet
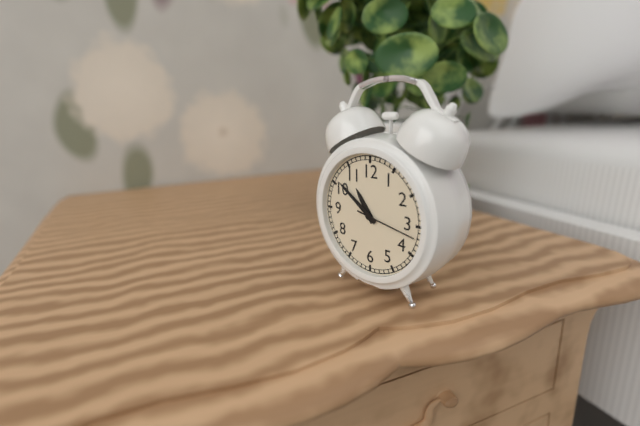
10,51,17
